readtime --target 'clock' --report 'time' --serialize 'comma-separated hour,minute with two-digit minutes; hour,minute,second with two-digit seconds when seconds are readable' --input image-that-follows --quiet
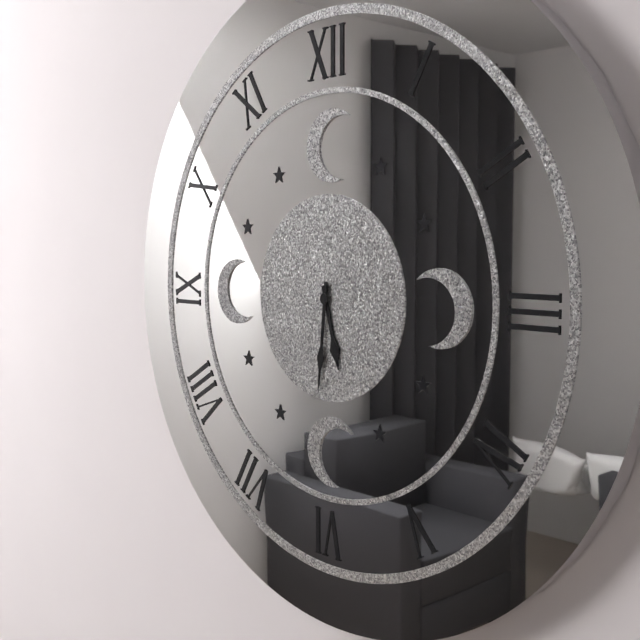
5,31
